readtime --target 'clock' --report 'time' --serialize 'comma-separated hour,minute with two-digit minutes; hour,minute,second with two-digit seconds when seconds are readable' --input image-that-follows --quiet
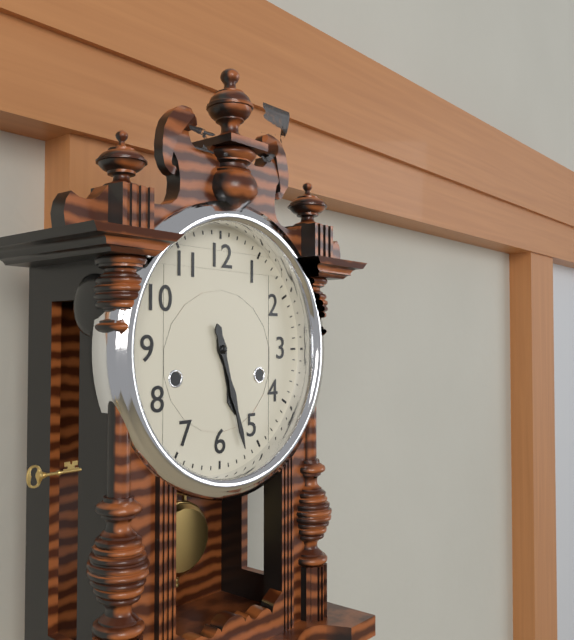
5,27
